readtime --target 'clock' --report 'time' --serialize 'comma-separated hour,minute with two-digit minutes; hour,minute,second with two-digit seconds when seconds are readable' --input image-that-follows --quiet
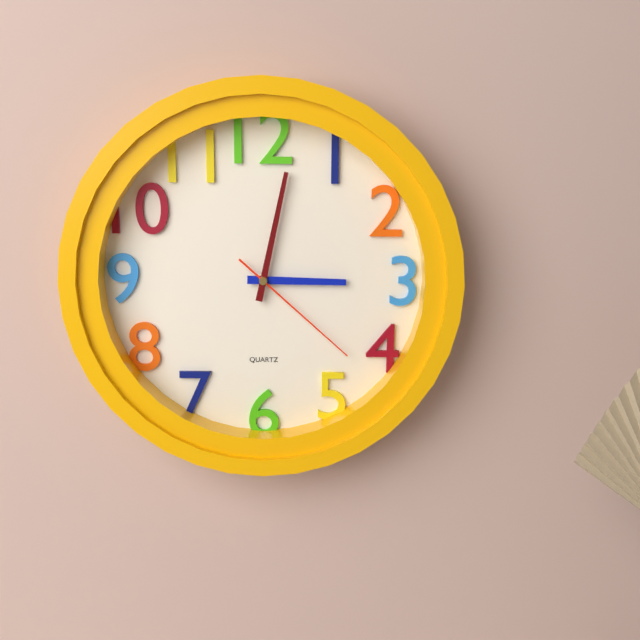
3,02,22
